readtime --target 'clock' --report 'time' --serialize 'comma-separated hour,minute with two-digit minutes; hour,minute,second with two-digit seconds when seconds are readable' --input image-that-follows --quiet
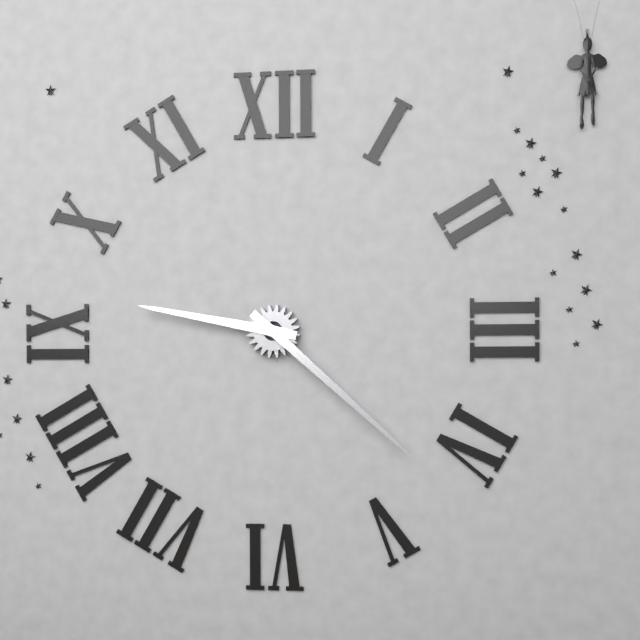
9,22
